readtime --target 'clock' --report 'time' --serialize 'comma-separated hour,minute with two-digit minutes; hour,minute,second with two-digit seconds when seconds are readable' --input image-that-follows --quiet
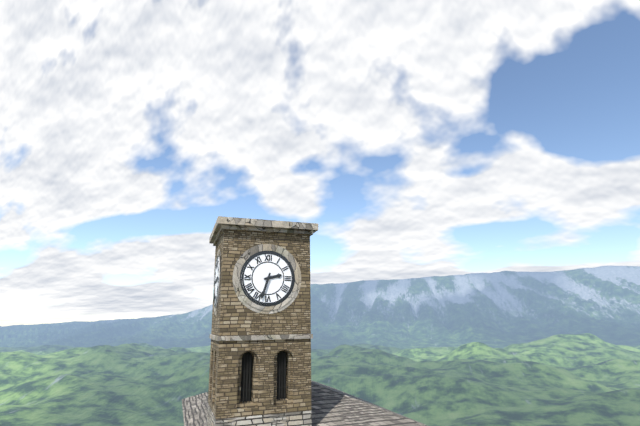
2,33
